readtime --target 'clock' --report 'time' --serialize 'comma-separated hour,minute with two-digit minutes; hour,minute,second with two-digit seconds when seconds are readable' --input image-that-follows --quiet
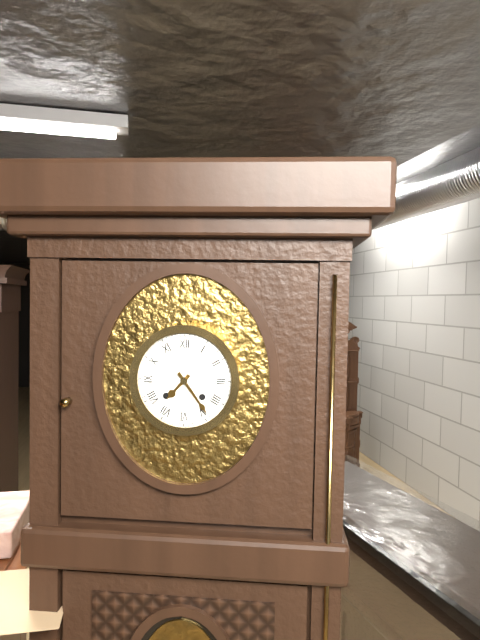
7,24
